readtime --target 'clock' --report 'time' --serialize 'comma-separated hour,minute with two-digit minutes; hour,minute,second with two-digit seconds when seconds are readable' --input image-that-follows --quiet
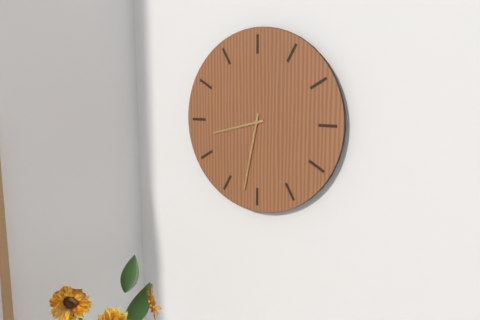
8,32
